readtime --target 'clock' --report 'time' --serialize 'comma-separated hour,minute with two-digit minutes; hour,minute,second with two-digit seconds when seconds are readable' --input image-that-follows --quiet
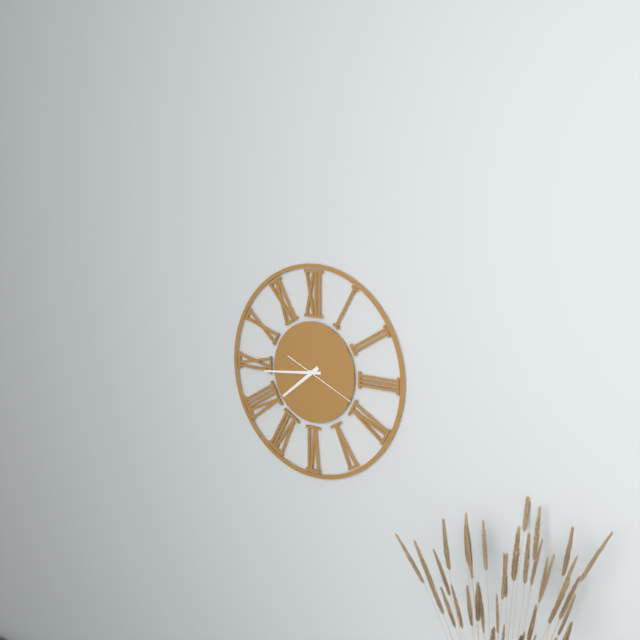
7,44,19
